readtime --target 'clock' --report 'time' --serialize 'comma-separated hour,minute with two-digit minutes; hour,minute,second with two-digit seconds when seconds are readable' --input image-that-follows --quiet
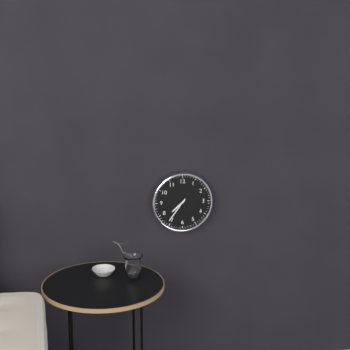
7,36
